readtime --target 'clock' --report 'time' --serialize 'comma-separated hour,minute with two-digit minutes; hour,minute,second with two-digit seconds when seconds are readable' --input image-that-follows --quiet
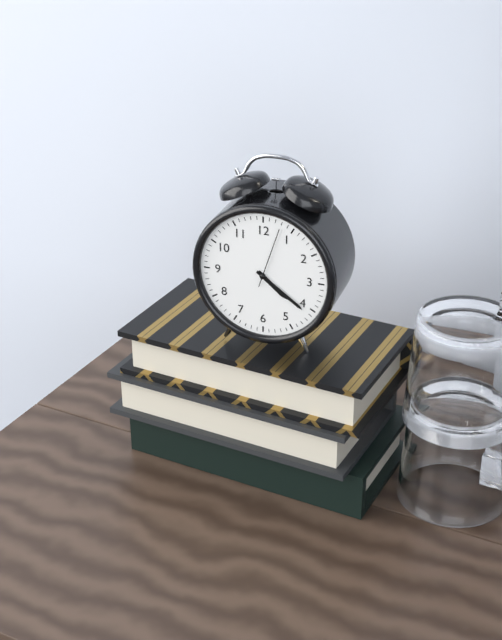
4,21,03
